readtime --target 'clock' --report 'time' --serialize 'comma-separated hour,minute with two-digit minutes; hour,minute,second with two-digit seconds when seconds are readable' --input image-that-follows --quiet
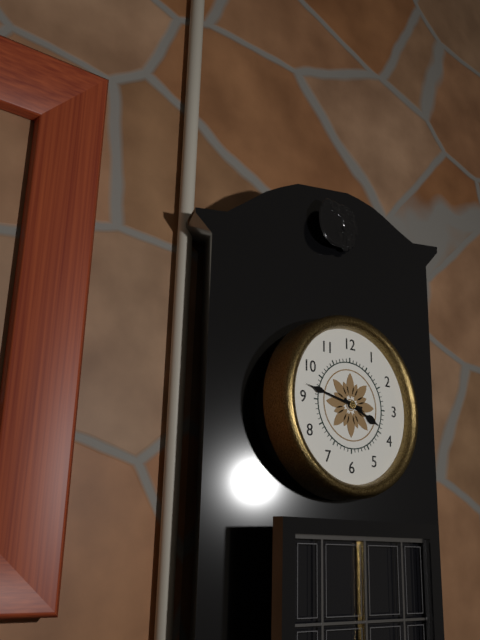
3,47
